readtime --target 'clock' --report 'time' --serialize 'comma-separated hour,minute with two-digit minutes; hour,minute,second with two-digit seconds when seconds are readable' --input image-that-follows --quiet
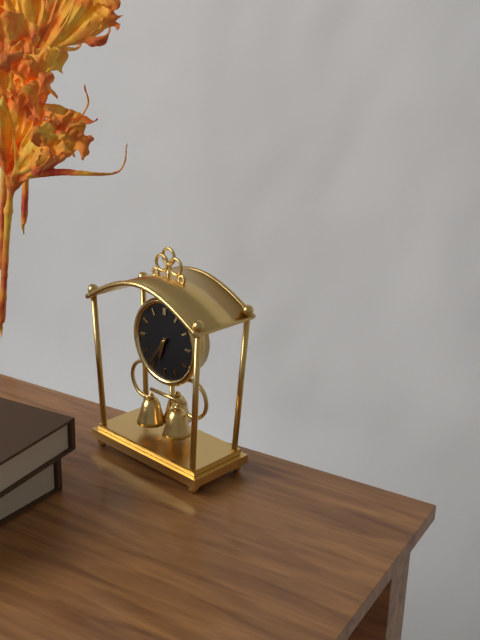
6,36
